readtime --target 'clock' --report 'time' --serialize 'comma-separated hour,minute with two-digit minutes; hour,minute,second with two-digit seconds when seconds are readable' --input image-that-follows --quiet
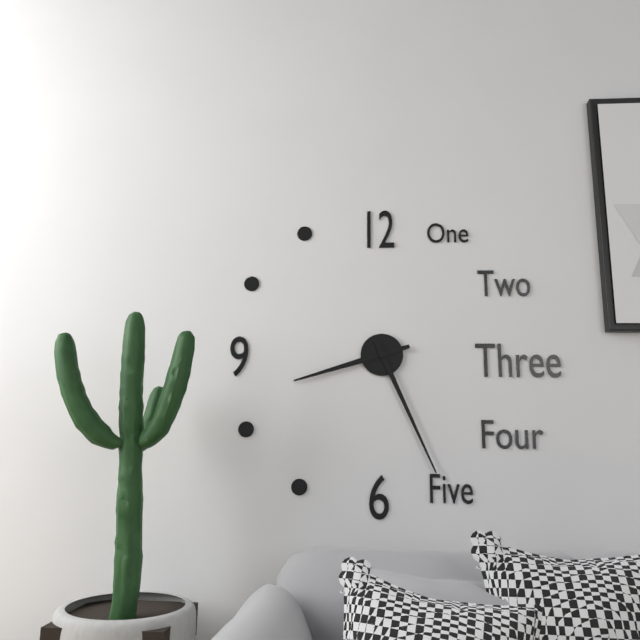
8,26
